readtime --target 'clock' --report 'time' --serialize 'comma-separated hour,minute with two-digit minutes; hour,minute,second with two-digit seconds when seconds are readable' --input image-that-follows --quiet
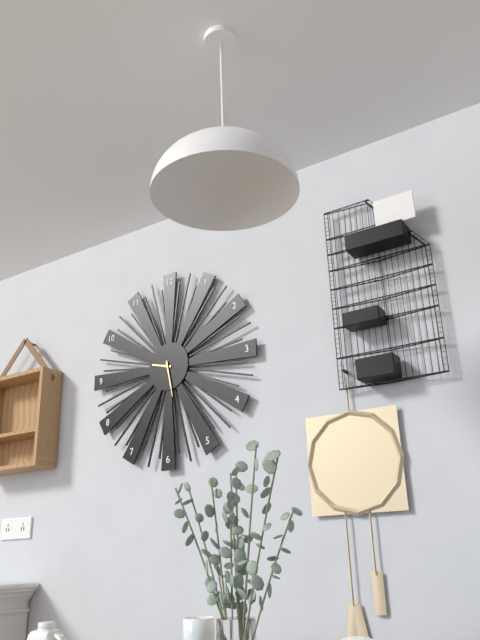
9,28
